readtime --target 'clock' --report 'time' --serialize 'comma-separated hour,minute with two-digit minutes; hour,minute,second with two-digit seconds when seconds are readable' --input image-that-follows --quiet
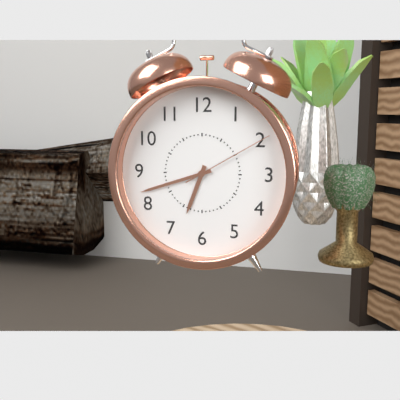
6,42,10
